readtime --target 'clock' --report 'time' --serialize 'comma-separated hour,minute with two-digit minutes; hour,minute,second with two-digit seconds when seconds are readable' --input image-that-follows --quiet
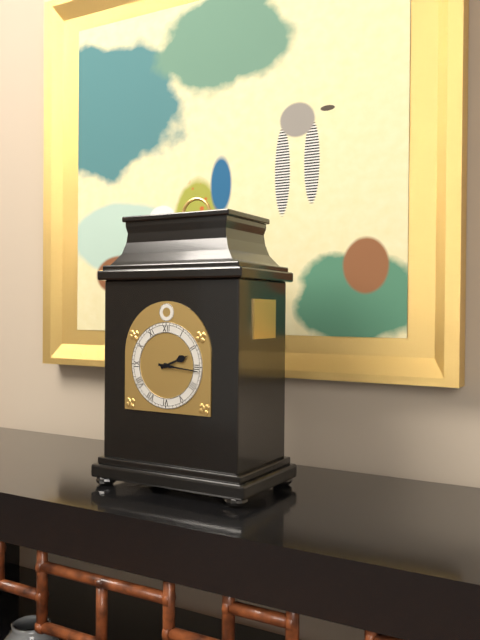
2,16
